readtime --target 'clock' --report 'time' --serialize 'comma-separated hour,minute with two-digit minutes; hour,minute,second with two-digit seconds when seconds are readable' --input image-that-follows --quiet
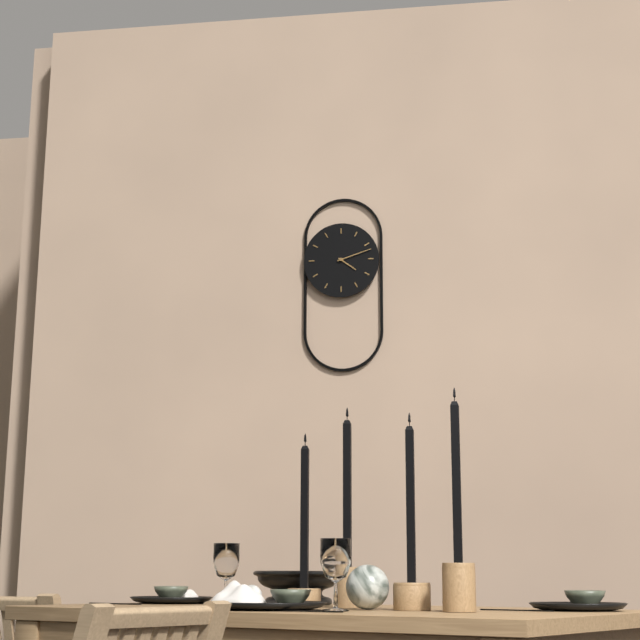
4,12
